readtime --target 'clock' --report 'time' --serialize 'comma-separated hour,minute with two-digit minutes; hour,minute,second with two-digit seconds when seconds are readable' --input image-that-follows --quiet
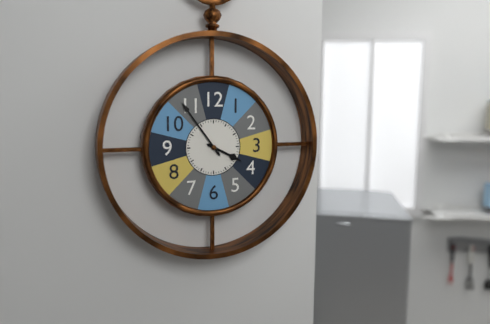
3,54
